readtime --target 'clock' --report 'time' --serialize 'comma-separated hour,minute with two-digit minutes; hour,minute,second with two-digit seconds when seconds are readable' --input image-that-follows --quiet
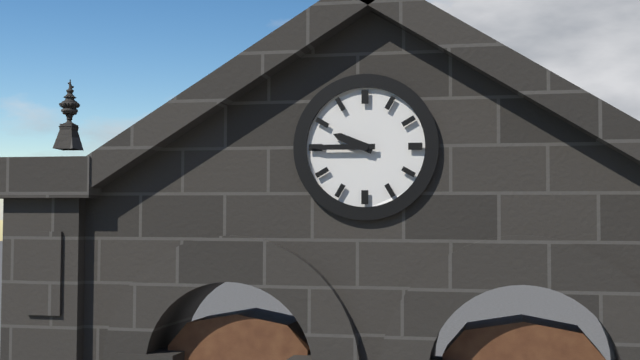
9,45
